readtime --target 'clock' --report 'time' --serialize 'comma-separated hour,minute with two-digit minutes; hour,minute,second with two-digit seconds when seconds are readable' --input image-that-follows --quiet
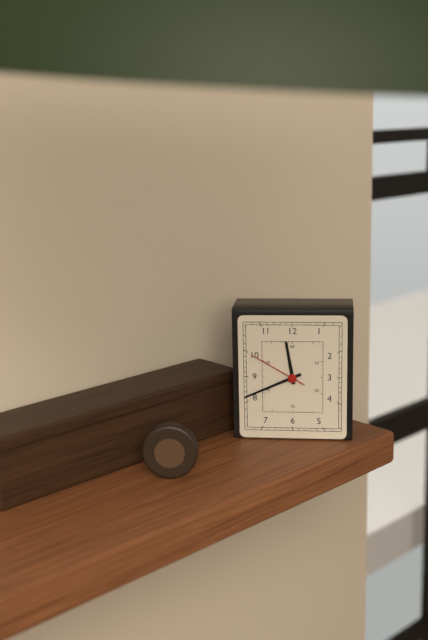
11,41,50
